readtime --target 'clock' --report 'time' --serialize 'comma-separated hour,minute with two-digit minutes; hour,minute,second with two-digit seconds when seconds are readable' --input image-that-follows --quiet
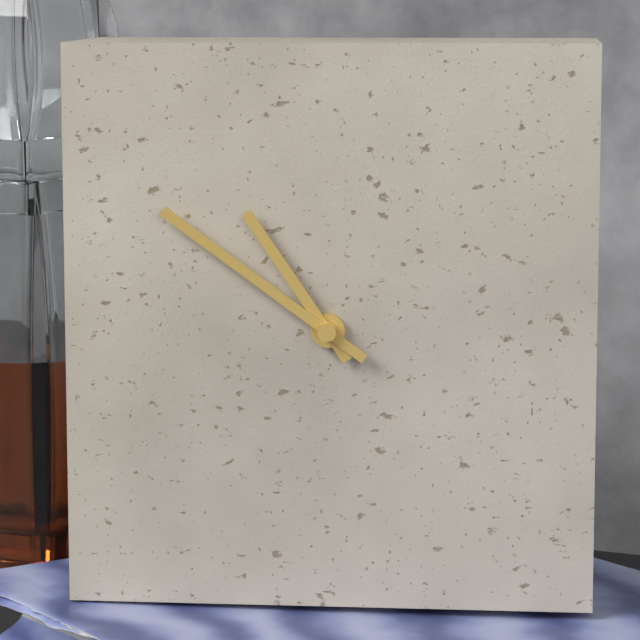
10,51
